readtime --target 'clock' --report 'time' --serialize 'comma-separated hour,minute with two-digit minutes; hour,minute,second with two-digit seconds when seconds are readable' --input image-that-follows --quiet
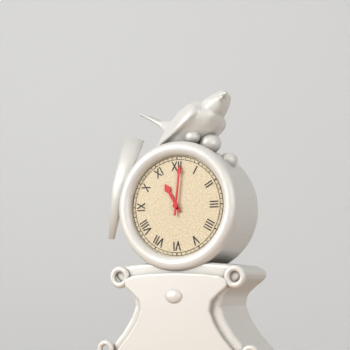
11,01
